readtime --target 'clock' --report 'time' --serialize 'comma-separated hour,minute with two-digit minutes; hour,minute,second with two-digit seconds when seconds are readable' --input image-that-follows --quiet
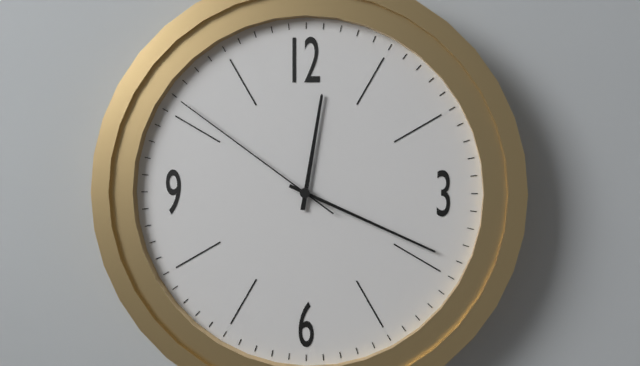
12,19,51
